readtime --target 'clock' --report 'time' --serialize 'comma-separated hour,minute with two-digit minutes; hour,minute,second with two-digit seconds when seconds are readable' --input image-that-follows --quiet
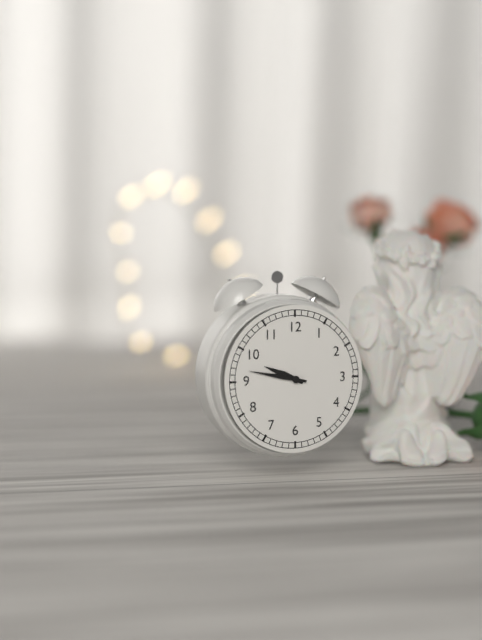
9,47
